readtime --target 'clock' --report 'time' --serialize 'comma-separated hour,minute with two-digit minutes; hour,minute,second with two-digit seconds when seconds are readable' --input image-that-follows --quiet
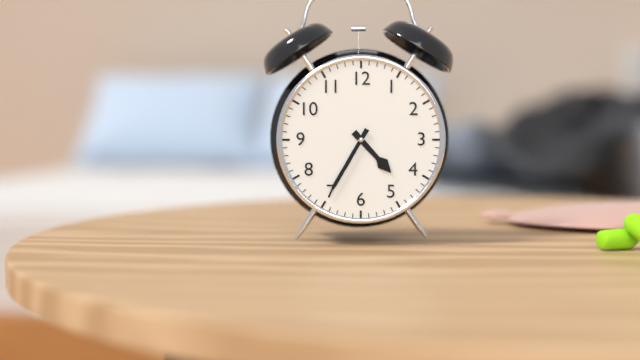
4,35
